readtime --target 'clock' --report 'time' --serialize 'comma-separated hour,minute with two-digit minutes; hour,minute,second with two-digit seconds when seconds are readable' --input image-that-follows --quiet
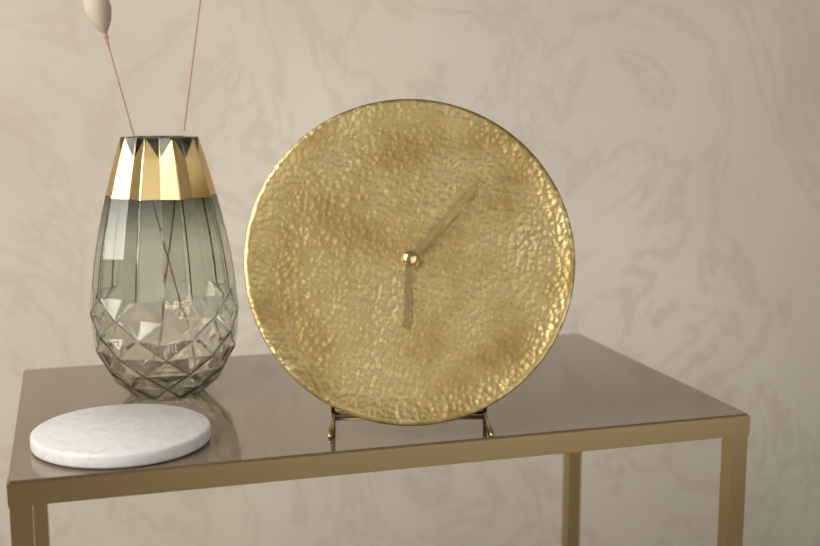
6,07
